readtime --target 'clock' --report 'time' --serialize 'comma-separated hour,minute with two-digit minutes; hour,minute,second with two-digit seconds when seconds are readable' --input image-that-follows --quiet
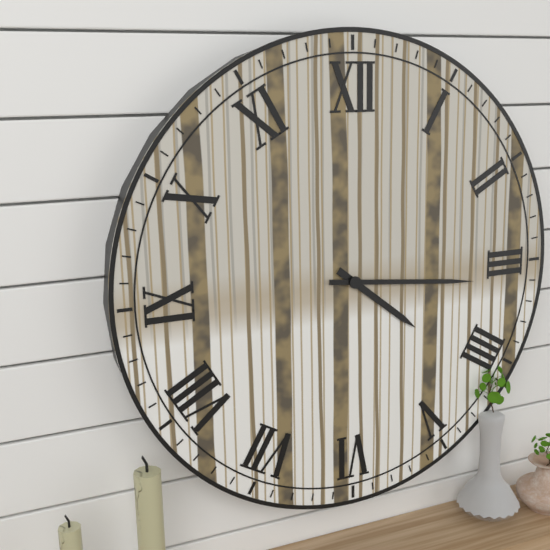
4,16
